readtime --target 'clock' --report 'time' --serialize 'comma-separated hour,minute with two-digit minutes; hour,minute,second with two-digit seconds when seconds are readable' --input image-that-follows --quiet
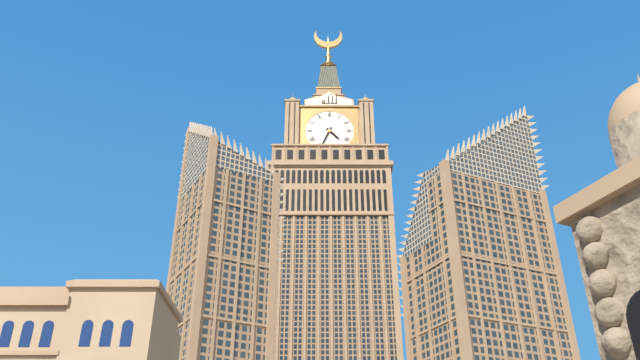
4,34
